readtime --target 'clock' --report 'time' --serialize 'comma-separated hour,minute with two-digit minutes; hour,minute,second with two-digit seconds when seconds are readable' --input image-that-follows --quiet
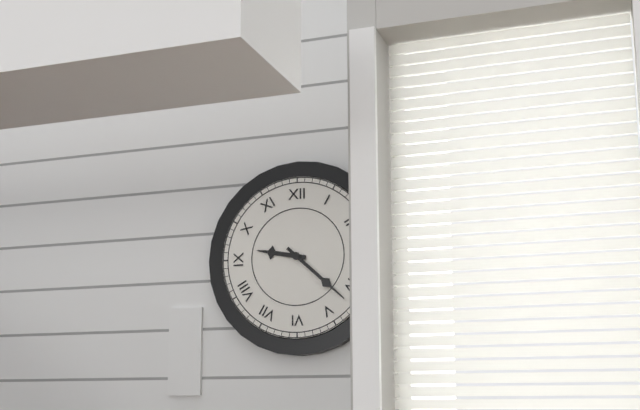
9,22
